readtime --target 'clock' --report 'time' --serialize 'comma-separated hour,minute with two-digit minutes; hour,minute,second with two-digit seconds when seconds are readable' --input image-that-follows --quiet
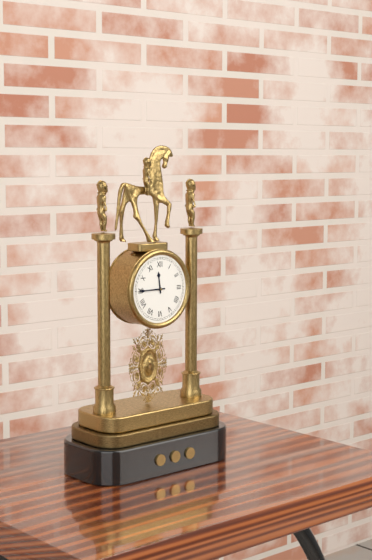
11,45
